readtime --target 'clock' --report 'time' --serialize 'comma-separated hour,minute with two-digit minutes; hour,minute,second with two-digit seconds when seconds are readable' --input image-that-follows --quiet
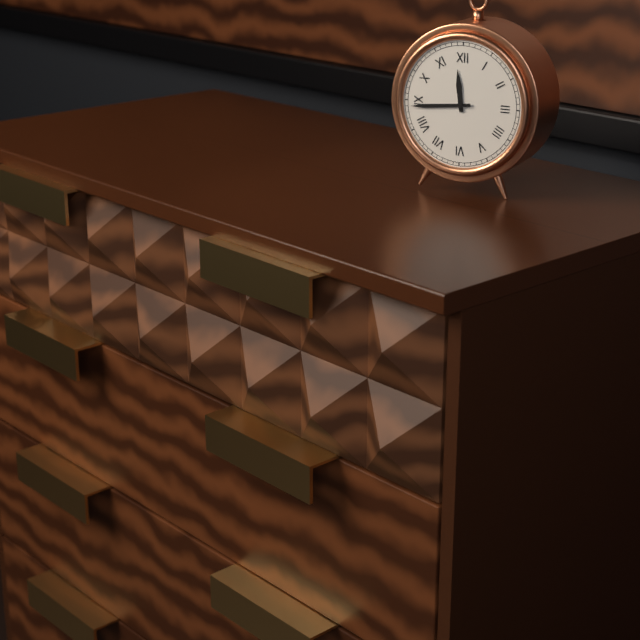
11,44
